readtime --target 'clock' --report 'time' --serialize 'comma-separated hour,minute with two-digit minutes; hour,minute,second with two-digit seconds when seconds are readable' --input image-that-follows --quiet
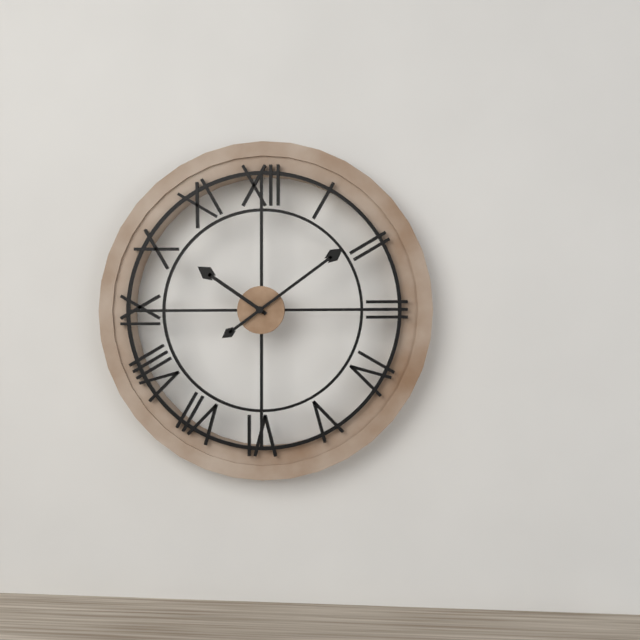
10,09
